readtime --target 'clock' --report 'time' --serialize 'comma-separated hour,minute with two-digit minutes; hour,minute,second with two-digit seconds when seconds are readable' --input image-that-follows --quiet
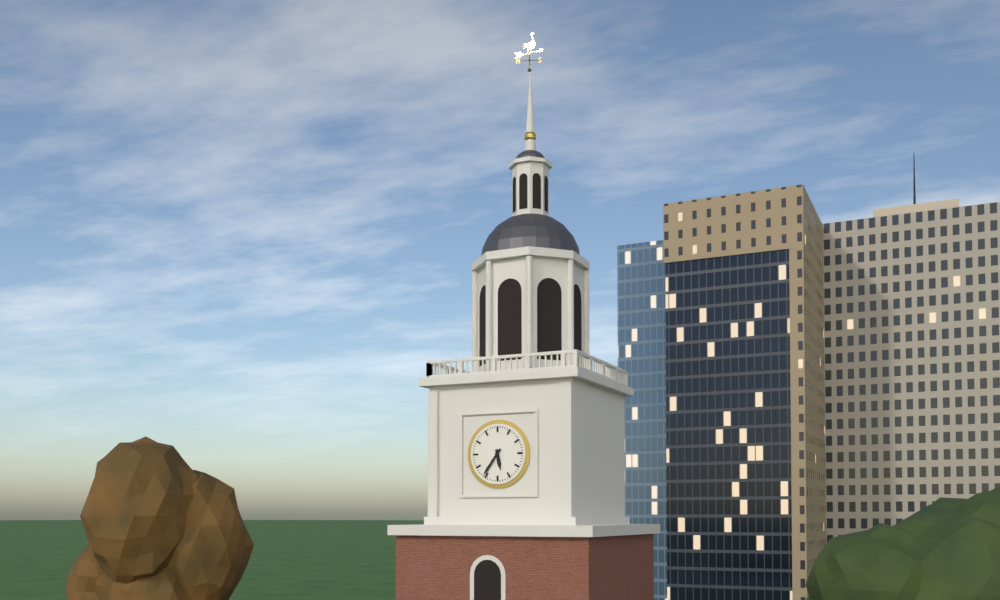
5,36
